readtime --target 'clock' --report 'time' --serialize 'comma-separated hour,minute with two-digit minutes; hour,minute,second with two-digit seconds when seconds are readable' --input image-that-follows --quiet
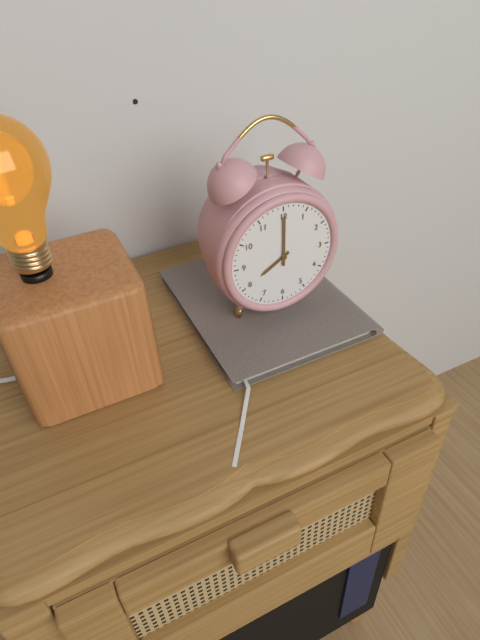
8,00
